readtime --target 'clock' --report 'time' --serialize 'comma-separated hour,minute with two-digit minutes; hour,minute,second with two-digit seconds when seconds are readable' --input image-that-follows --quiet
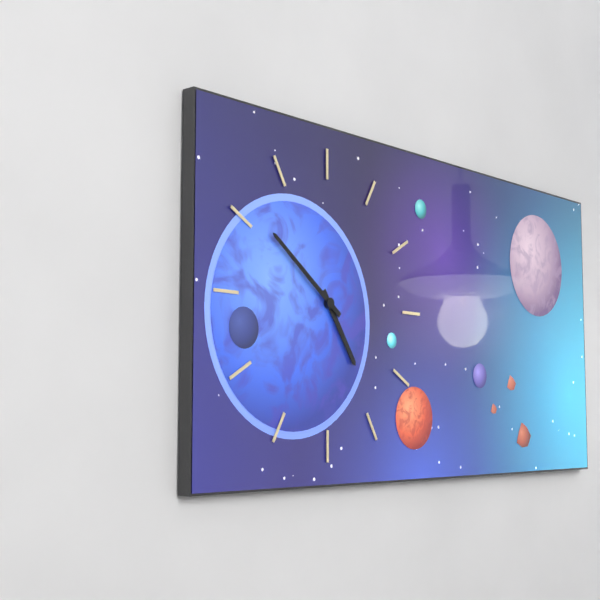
4,51
